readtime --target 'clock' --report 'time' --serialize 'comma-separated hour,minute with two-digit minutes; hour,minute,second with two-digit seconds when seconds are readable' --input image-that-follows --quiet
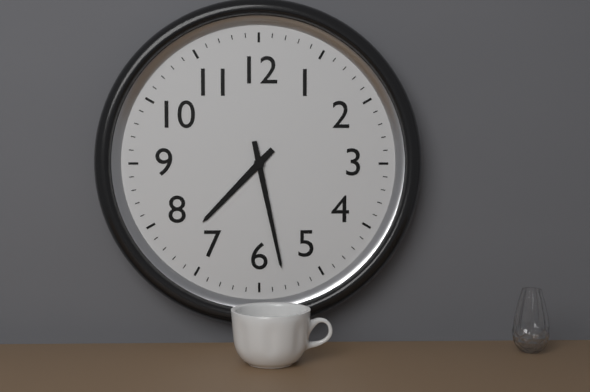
7,28
